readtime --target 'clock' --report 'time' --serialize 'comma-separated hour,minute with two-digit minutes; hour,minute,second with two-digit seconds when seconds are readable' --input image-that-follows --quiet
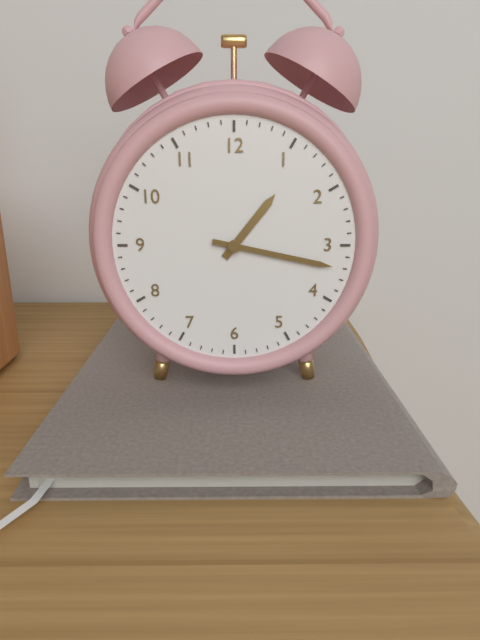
1,17
